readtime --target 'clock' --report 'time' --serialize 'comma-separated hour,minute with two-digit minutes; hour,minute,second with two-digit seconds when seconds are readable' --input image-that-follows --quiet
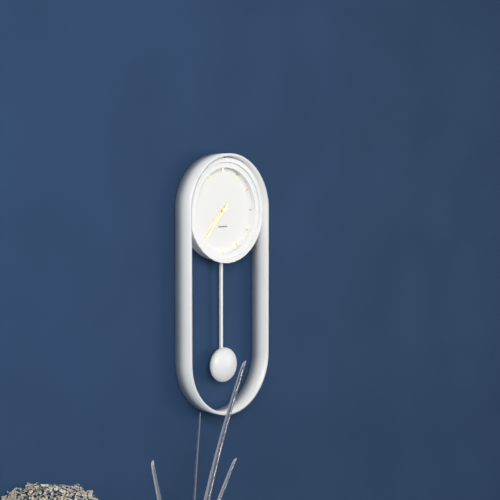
7,37
